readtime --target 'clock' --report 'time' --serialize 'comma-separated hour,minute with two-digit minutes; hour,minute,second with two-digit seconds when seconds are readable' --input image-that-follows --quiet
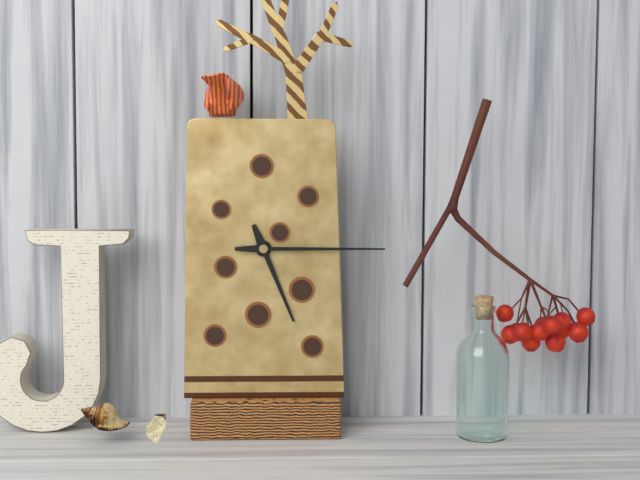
5,15
